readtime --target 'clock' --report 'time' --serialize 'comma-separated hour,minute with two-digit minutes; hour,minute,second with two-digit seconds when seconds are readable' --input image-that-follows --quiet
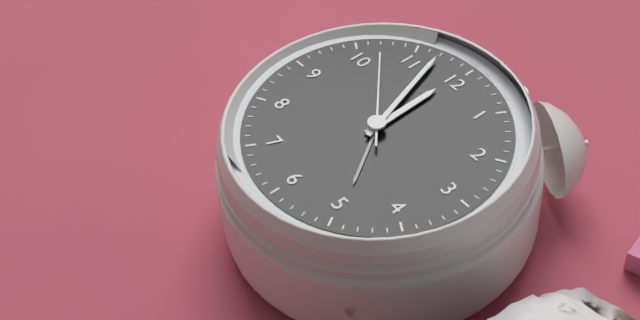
11,57,52
